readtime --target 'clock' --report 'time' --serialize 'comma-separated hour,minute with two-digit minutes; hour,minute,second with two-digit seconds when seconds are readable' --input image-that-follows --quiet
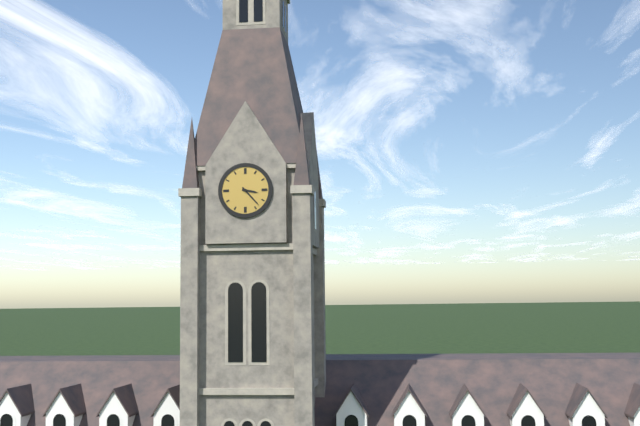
3,23
